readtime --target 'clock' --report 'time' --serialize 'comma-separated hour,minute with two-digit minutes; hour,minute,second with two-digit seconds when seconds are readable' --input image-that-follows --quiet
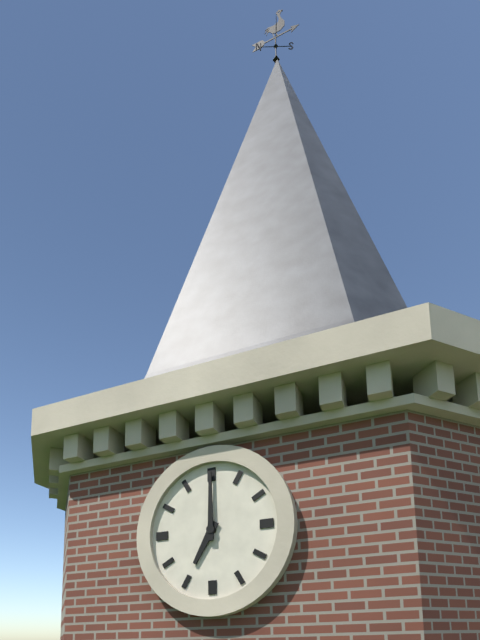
7,00
